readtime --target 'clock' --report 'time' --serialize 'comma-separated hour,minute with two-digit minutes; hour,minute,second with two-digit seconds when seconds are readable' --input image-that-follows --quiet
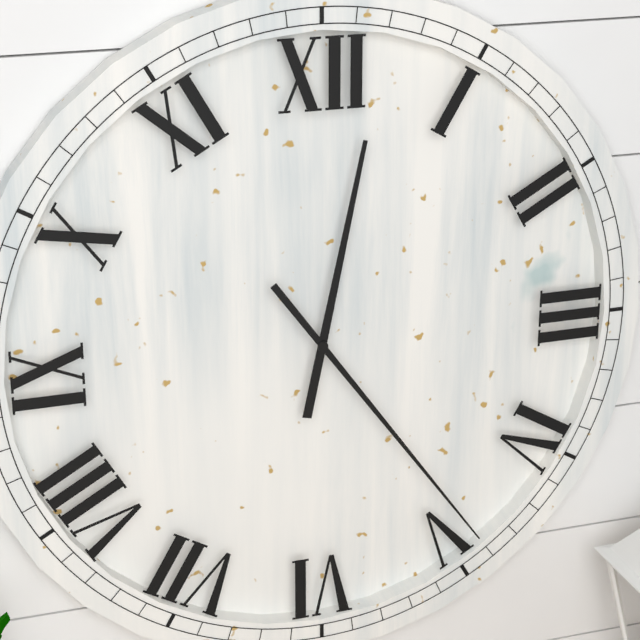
12,24
